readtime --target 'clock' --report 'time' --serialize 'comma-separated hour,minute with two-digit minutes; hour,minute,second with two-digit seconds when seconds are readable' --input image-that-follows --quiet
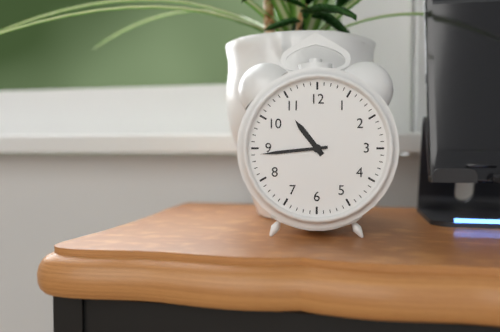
10,44
